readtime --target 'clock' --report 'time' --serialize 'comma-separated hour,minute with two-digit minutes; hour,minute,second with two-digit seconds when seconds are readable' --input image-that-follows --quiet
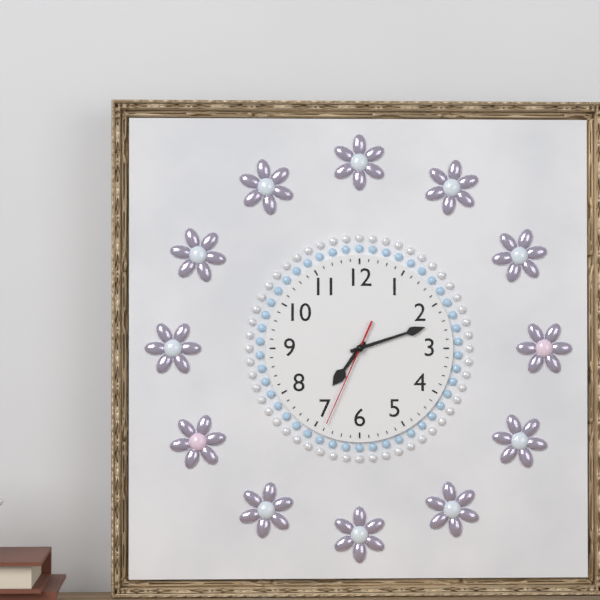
7,12,34
